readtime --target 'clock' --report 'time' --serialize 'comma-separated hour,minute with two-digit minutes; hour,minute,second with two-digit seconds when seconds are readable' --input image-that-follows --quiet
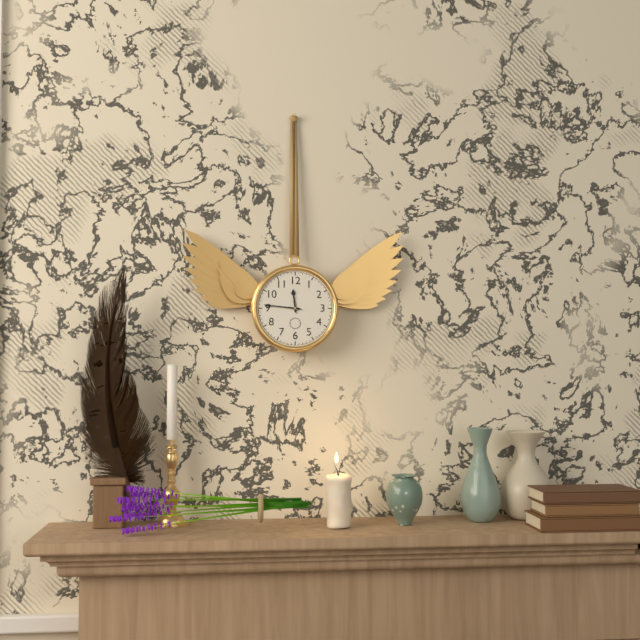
11,46
